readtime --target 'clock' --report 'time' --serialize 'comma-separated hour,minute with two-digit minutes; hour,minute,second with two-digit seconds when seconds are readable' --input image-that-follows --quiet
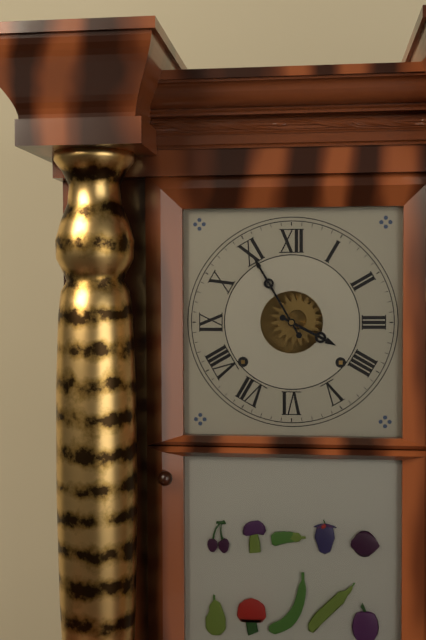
3,55
